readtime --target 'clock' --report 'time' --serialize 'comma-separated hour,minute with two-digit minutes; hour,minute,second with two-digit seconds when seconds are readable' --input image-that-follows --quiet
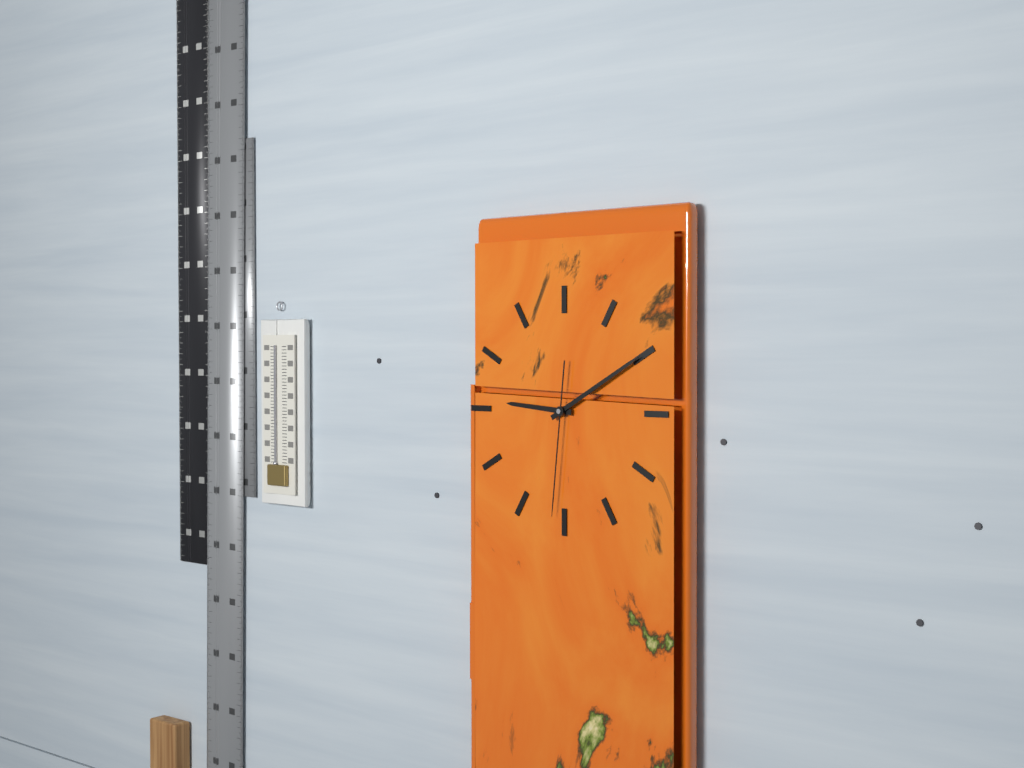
9,10,31
